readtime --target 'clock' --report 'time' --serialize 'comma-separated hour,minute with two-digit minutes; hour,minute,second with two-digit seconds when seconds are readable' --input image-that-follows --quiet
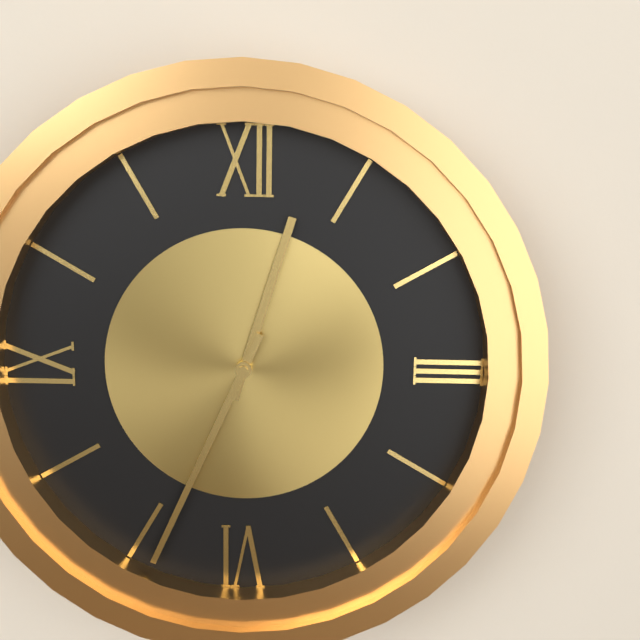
12,34
